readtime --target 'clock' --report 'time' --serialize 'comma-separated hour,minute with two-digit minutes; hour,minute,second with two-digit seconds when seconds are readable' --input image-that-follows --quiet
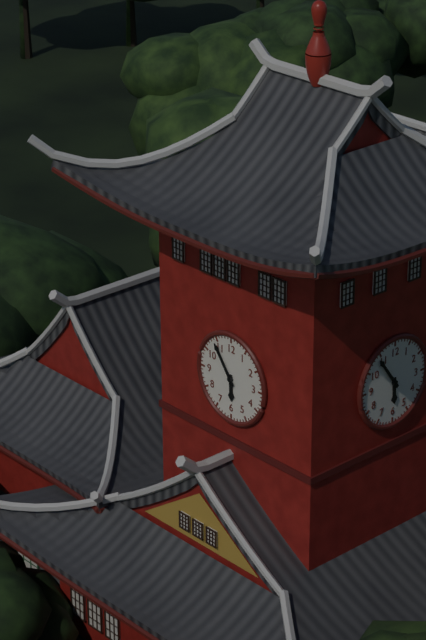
5,54
